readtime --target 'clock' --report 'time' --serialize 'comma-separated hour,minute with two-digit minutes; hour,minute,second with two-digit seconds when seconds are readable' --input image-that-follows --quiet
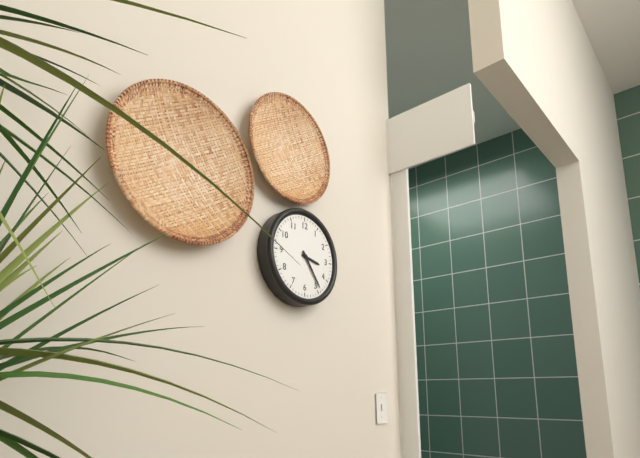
3,24
